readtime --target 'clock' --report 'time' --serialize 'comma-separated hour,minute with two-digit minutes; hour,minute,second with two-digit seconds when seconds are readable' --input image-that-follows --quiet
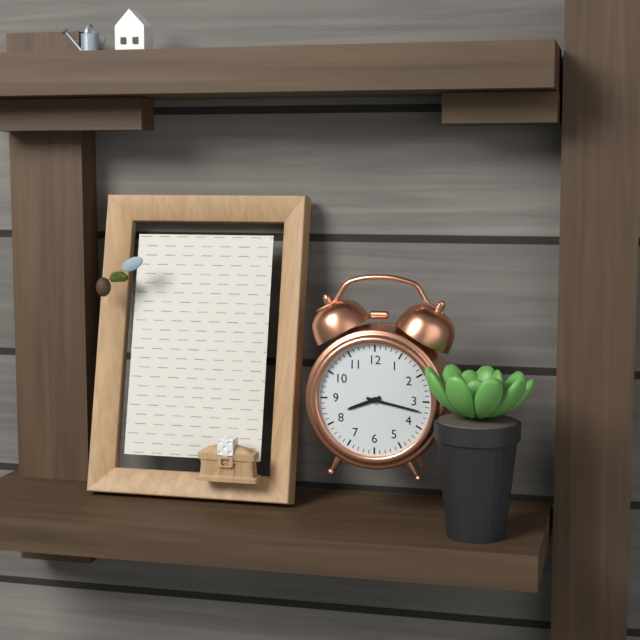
8,17
